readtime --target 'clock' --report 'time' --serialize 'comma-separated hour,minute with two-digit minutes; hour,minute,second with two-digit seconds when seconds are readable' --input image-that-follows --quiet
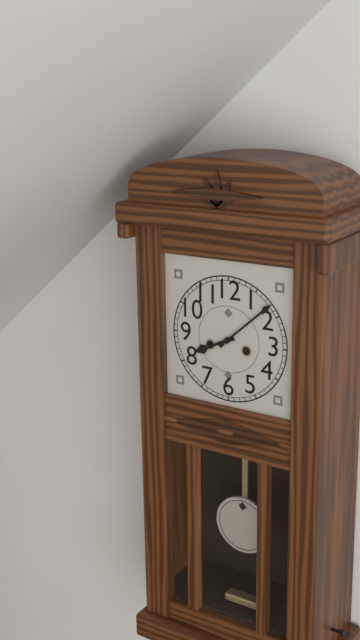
8,08
